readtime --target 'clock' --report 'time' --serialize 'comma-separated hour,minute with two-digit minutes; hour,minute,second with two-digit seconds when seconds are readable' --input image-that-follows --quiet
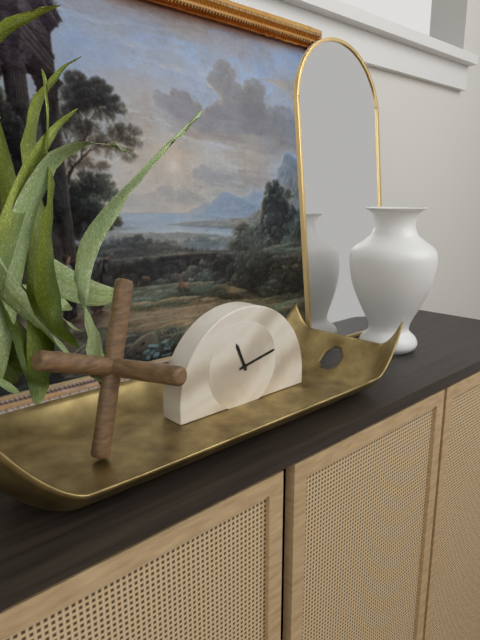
11,13
